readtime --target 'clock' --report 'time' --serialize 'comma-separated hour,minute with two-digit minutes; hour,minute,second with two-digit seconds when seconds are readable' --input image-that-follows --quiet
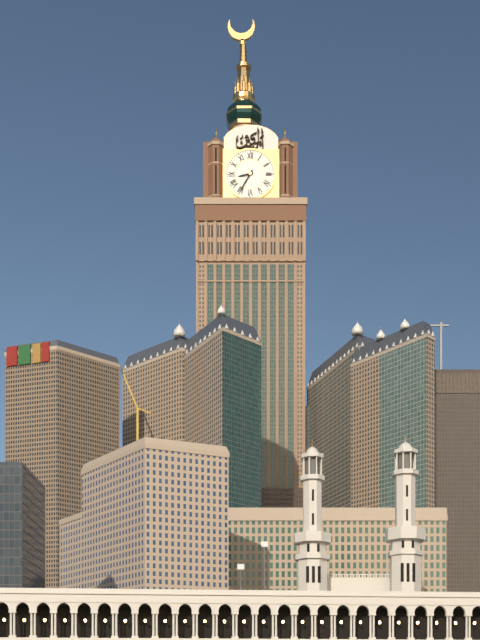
8,35
